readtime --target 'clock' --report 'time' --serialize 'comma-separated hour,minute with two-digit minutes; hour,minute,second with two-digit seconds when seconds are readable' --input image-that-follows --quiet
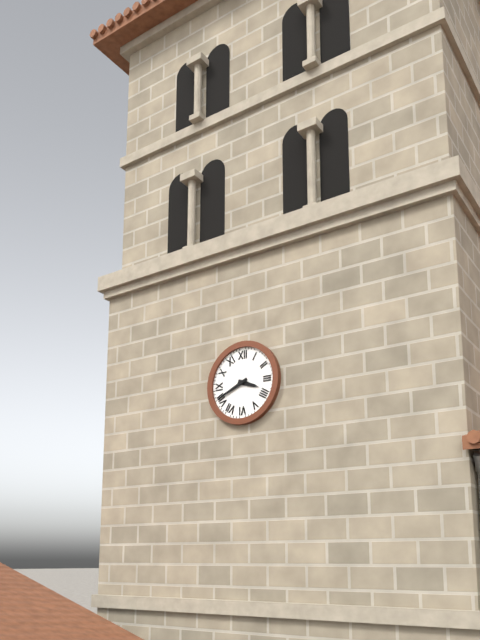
3,41
